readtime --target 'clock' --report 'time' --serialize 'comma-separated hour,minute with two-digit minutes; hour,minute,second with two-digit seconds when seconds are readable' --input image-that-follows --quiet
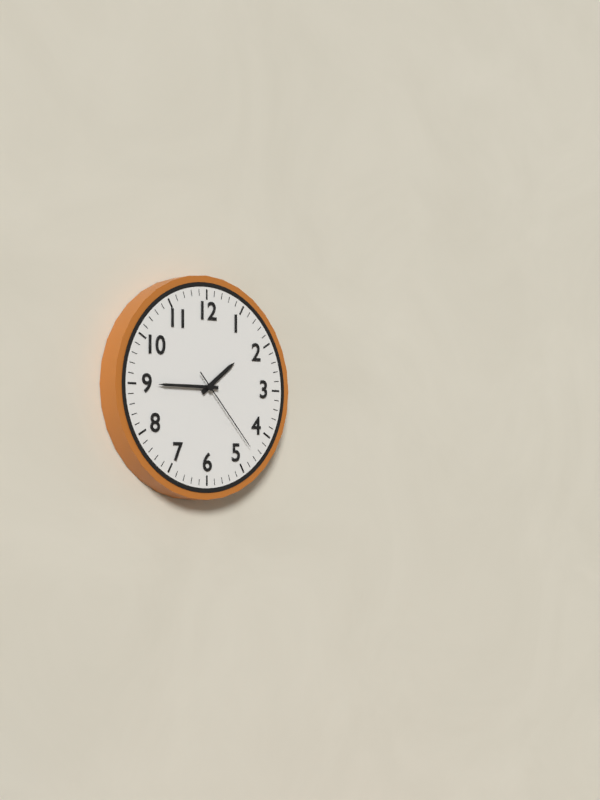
1,45,23
